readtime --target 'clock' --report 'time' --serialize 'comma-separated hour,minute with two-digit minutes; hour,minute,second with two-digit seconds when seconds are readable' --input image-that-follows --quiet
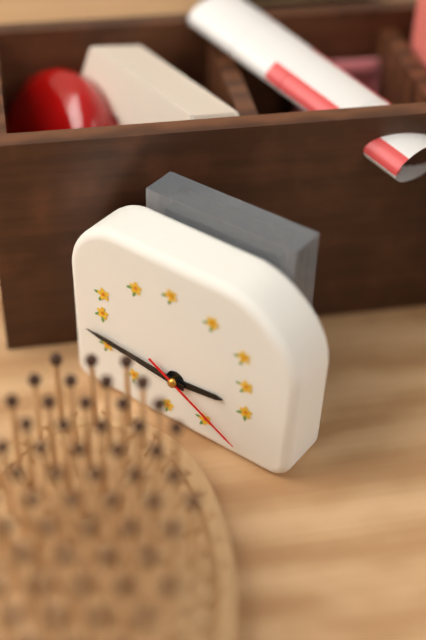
2,46,20
